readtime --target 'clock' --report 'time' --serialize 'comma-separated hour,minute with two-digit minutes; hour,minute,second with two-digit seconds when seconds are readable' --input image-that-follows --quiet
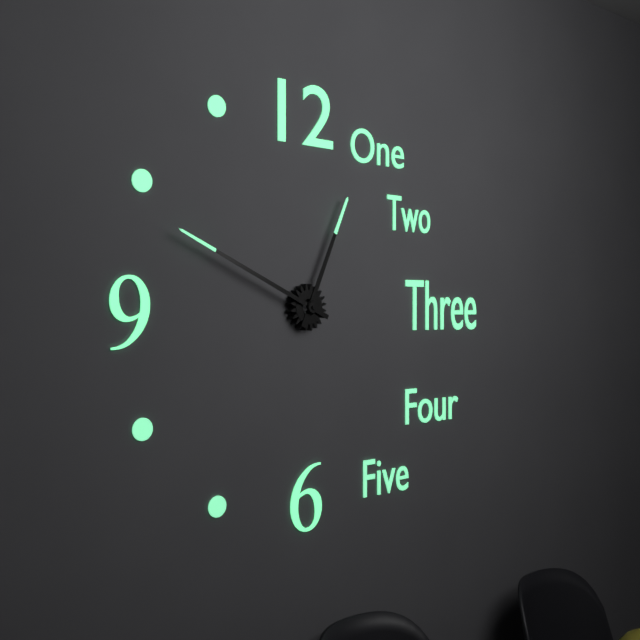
12,49
